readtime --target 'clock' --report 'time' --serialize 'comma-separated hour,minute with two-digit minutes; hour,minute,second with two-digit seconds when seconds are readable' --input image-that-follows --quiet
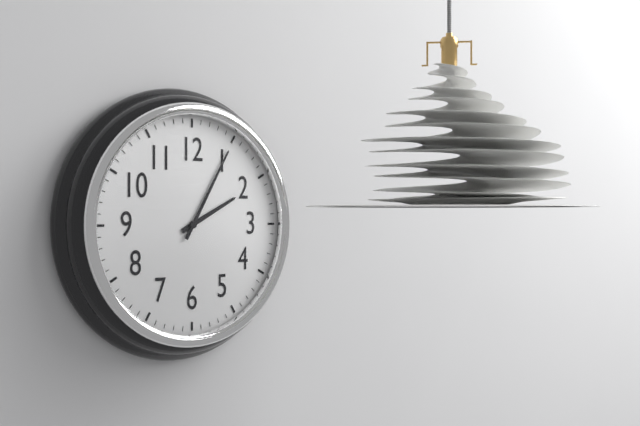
2,05
